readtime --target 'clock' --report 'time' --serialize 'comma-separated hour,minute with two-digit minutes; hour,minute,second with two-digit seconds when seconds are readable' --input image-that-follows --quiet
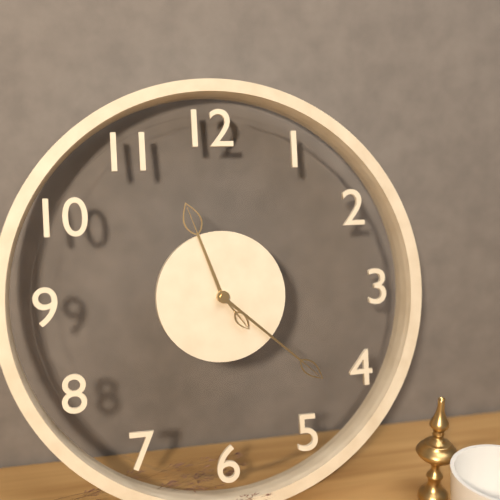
11,22,24
